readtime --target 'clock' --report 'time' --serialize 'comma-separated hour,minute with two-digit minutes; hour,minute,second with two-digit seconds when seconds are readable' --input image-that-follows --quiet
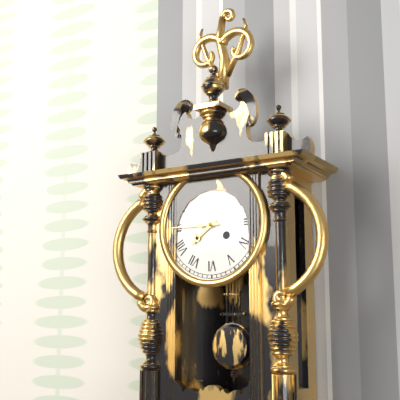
7,45
